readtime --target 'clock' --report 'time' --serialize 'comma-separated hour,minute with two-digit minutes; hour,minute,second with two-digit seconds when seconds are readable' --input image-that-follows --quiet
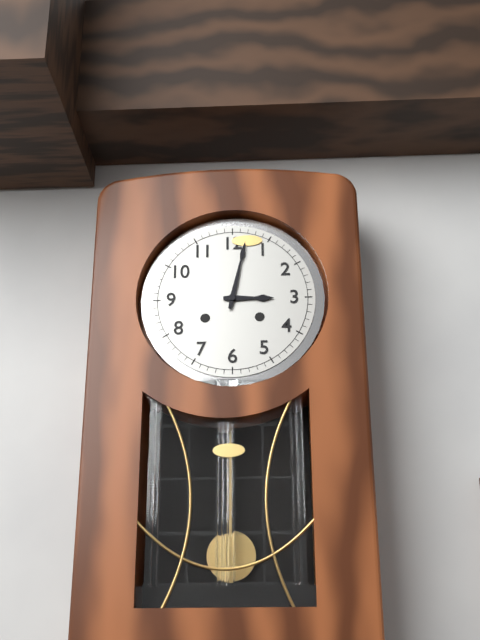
3,02
